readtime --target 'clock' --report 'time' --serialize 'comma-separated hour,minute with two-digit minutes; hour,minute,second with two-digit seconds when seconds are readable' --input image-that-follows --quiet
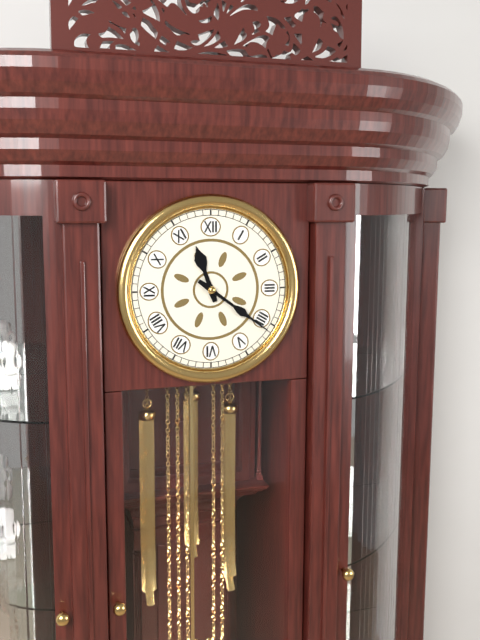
11,21
